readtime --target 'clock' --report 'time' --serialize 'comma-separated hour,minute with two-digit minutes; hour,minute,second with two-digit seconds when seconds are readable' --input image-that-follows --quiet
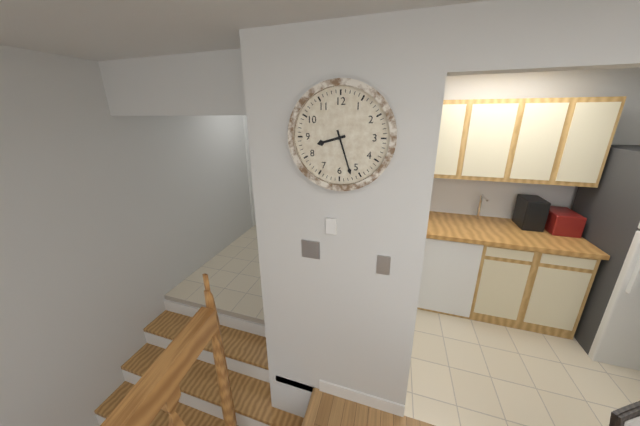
8,27
